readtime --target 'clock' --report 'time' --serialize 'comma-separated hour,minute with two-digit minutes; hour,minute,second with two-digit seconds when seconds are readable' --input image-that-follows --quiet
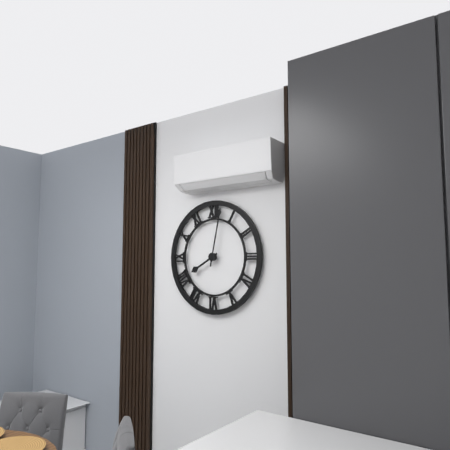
8,02
